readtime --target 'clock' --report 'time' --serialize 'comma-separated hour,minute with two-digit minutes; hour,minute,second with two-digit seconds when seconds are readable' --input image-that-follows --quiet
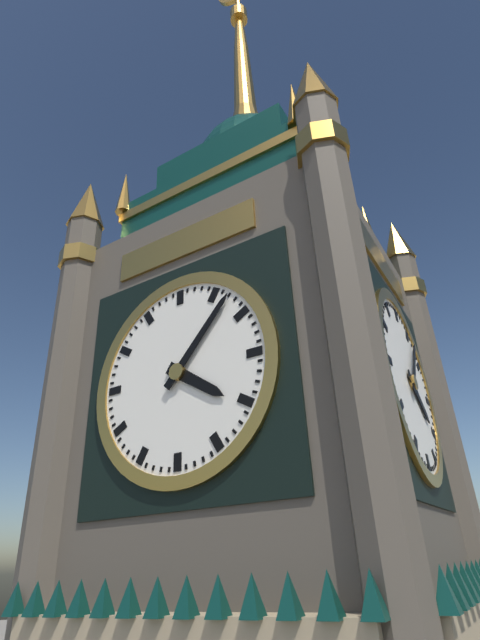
4,07
